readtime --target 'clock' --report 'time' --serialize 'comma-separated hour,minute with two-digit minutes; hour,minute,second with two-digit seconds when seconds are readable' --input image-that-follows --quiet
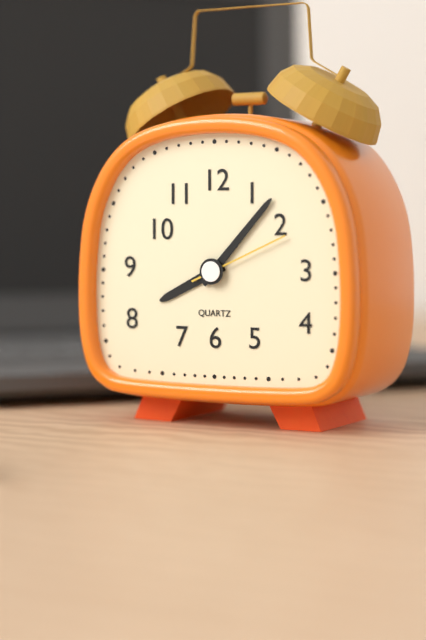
8,07,11
